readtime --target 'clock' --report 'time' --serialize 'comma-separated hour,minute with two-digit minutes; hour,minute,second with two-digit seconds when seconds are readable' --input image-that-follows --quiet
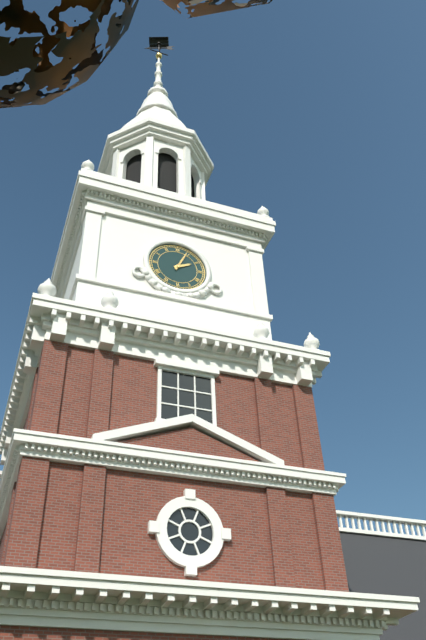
2,04
